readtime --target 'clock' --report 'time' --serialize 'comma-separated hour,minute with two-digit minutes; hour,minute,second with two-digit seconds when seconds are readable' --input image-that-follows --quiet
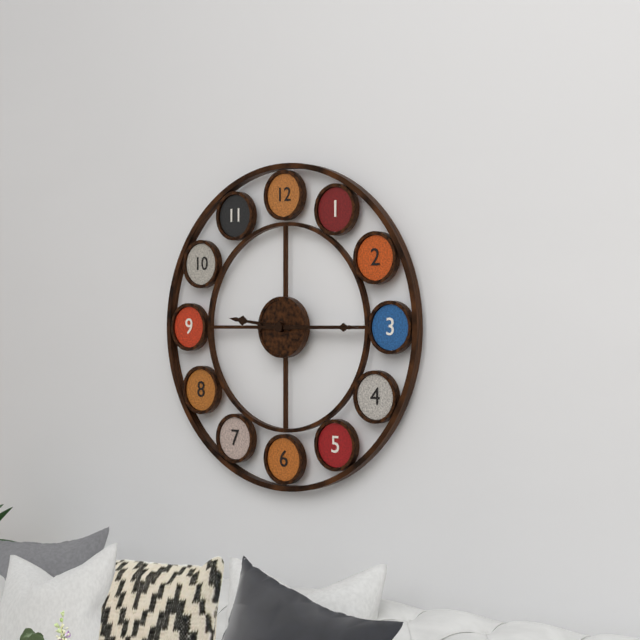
9,15
